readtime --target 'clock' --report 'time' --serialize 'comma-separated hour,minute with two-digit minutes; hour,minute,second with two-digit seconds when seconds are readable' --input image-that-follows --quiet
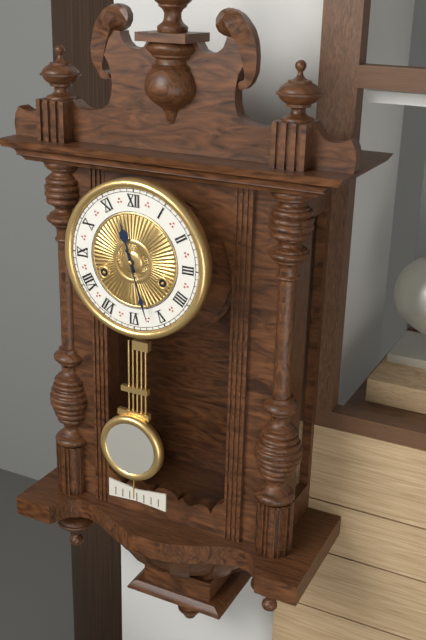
11,27
